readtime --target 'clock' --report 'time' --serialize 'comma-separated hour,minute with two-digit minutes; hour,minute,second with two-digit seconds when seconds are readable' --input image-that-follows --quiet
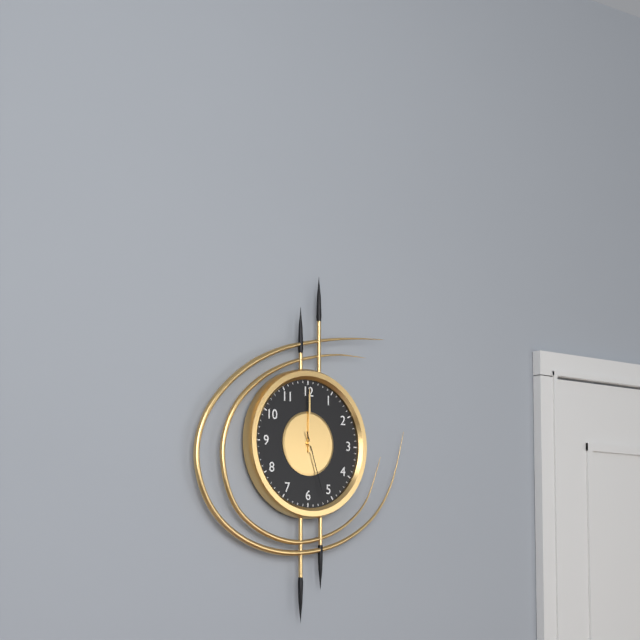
12,00,27
